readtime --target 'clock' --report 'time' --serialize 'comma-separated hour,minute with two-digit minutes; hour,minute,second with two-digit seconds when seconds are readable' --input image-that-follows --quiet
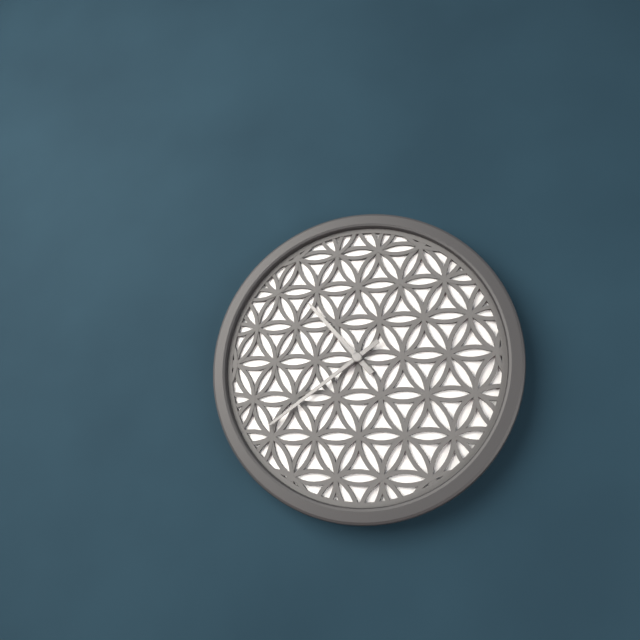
10,39
